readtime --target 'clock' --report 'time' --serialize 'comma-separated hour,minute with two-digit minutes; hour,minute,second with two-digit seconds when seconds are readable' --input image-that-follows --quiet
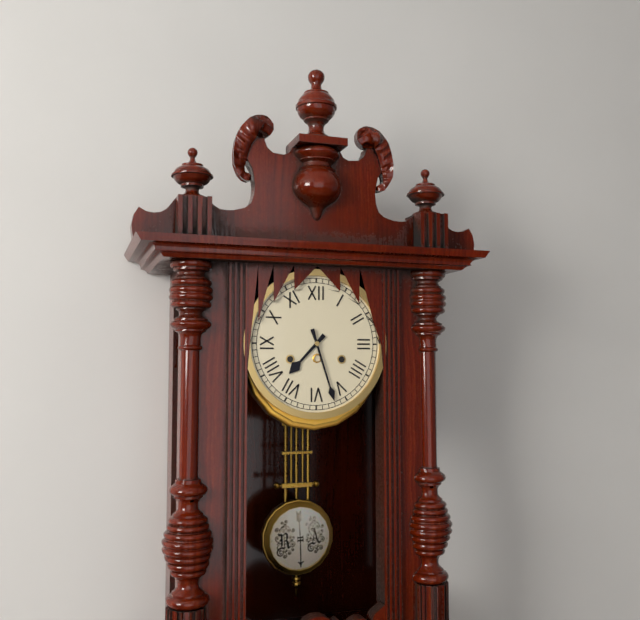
7,27
